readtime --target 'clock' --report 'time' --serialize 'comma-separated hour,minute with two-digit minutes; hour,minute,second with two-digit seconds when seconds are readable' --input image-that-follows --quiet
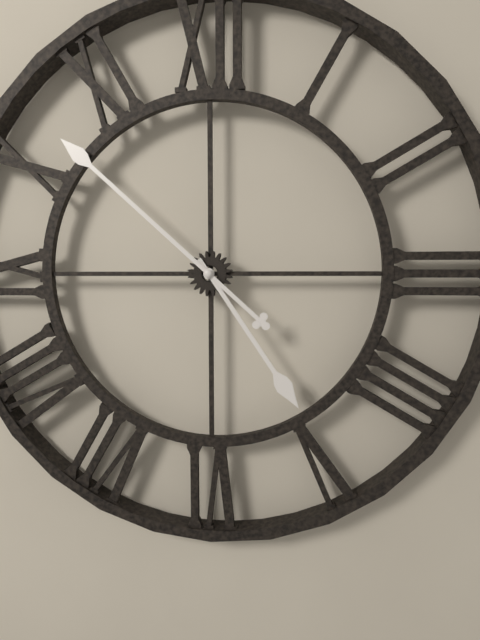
4,52
